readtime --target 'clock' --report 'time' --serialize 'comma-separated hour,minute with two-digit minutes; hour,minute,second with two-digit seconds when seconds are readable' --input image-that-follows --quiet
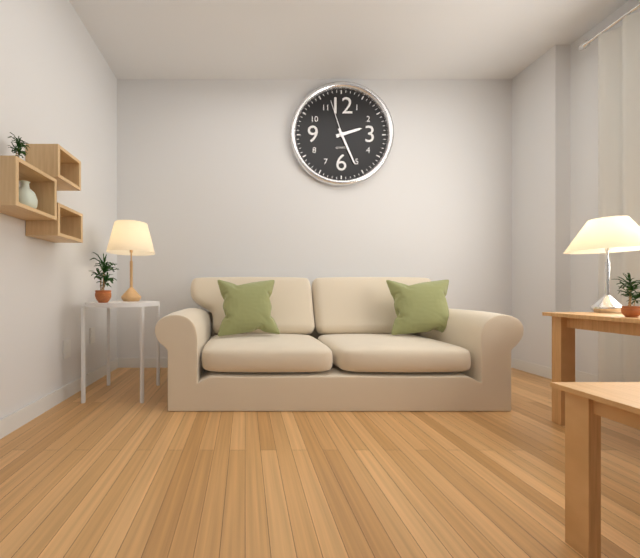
2,26
